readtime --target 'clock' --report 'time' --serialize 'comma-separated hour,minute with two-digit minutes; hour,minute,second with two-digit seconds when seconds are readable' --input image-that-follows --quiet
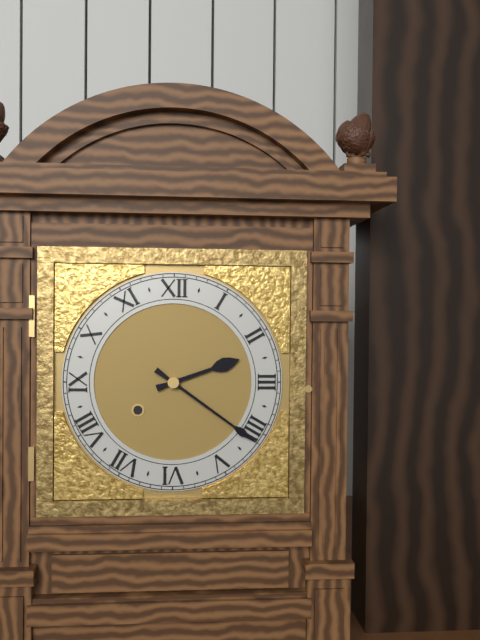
2,21
